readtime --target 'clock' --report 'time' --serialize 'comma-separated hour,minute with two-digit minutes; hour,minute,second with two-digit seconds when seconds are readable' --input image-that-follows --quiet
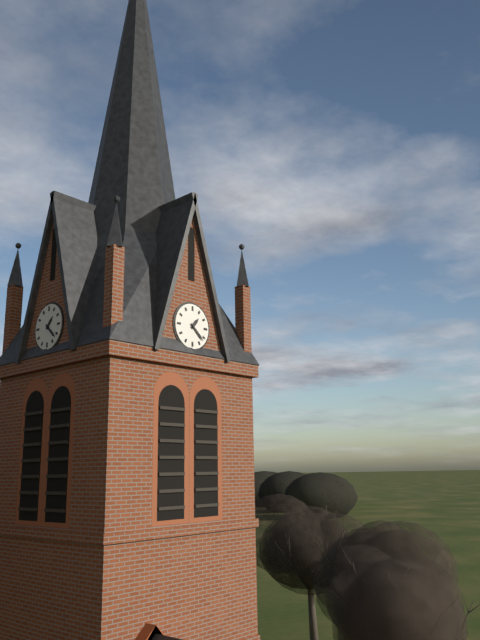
1,22
